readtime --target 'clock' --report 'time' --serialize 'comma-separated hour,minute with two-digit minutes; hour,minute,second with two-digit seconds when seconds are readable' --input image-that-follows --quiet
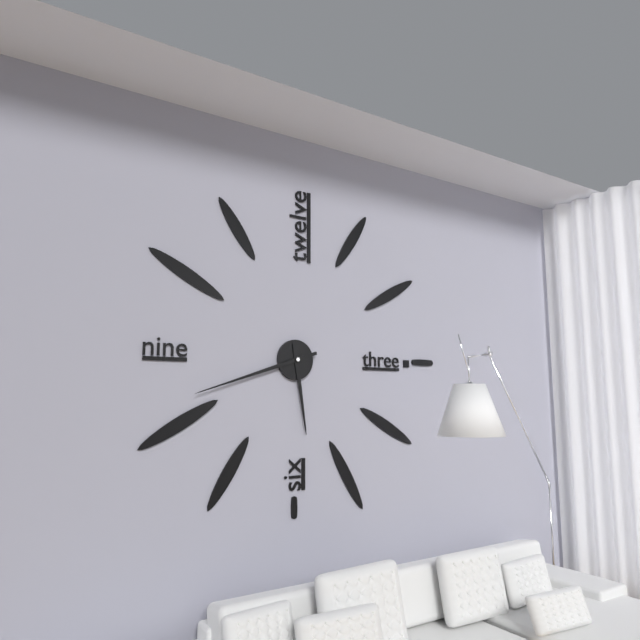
5,42
